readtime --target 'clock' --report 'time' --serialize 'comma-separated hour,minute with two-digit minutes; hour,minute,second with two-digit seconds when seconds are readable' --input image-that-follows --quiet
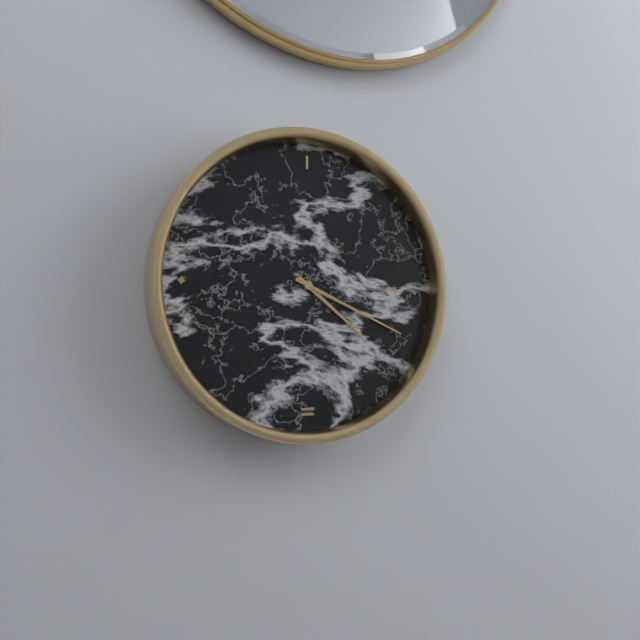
4,19
